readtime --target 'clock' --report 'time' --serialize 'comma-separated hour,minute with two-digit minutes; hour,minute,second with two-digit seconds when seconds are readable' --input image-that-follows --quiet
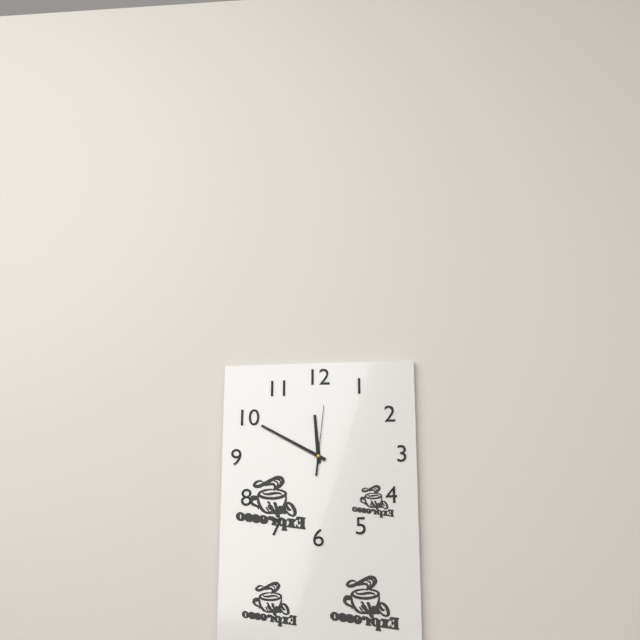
11,50,01
